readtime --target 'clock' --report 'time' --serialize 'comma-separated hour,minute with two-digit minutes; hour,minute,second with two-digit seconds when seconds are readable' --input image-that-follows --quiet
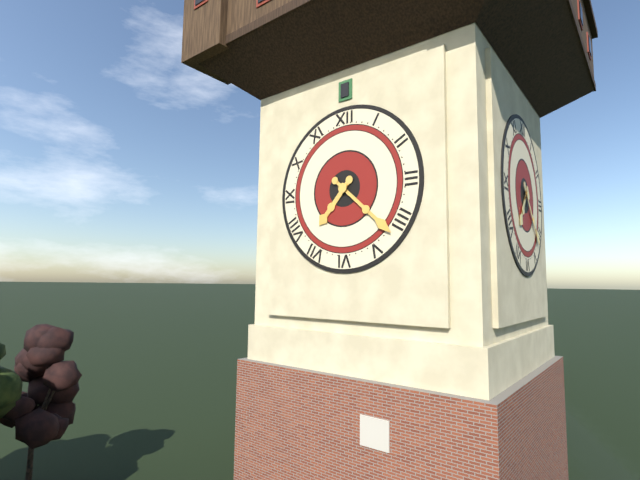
7,22
